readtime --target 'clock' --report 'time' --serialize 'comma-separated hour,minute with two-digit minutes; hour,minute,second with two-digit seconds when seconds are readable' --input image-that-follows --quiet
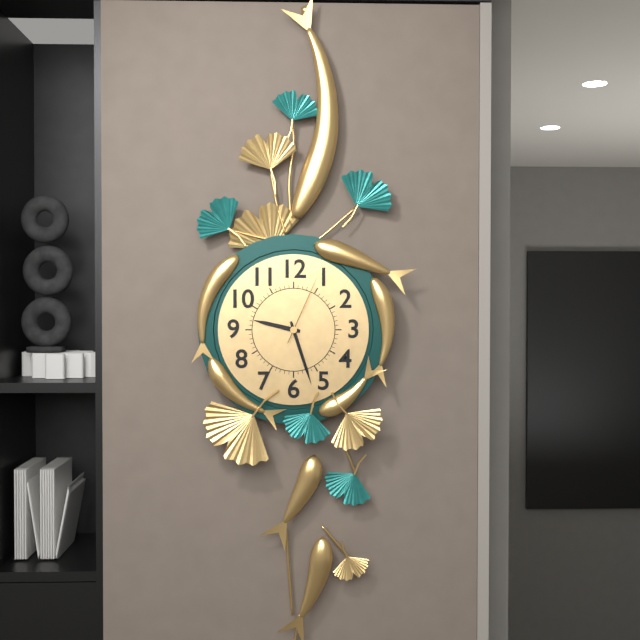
9,27,04
